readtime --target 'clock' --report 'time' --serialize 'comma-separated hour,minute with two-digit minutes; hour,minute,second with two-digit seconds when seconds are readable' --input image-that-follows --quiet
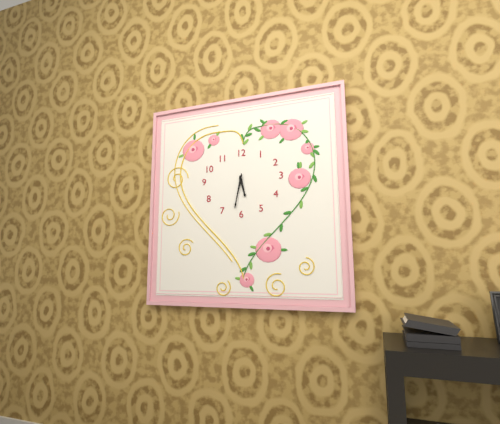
5,32
